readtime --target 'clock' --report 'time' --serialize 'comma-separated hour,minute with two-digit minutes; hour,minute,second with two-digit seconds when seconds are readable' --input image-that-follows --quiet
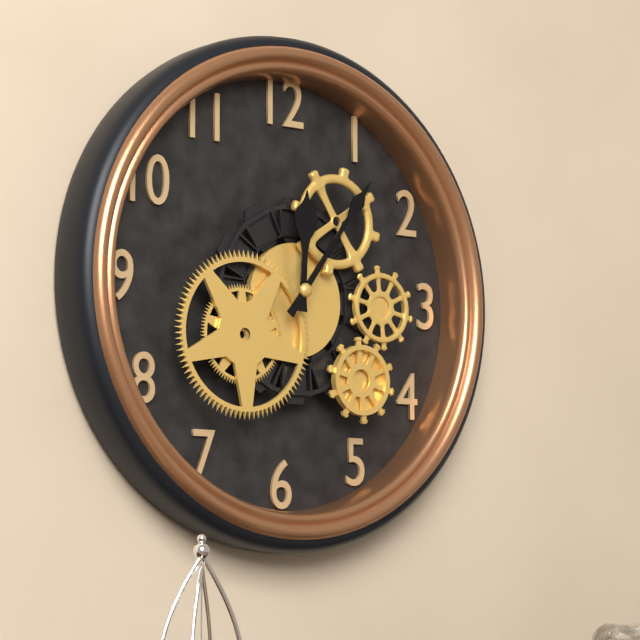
12,06
